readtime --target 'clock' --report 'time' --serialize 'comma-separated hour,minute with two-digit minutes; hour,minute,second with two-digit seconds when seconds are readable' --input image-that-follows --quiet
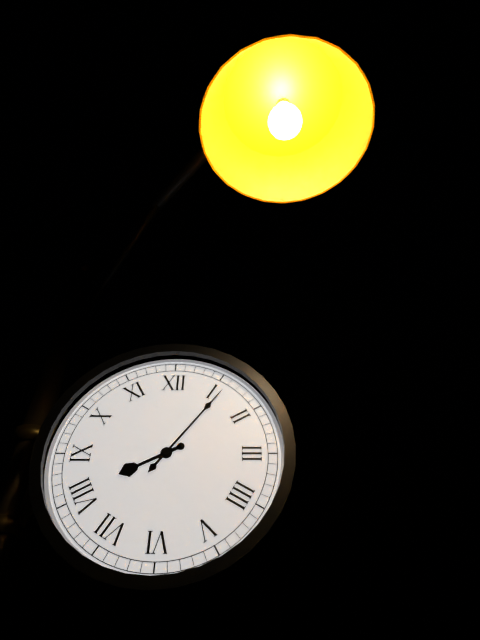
8,06
